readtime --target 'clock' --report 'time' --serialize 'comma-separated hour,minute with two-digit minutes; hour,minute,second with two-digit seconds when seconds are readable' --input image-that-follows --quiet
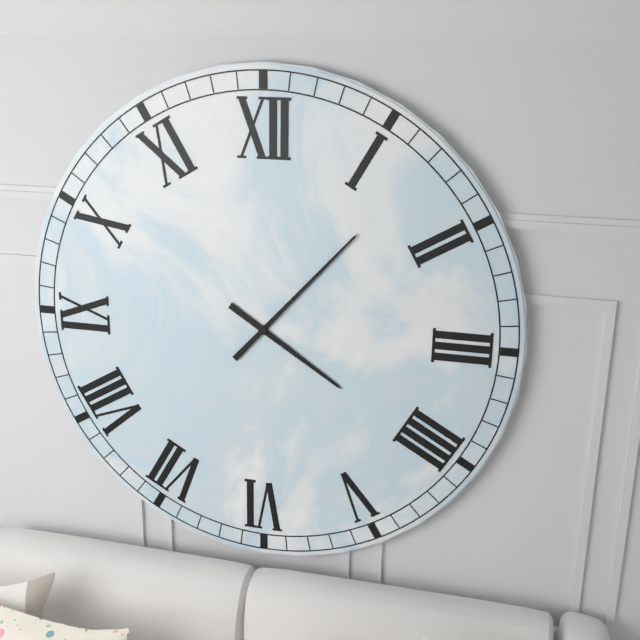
4,07
